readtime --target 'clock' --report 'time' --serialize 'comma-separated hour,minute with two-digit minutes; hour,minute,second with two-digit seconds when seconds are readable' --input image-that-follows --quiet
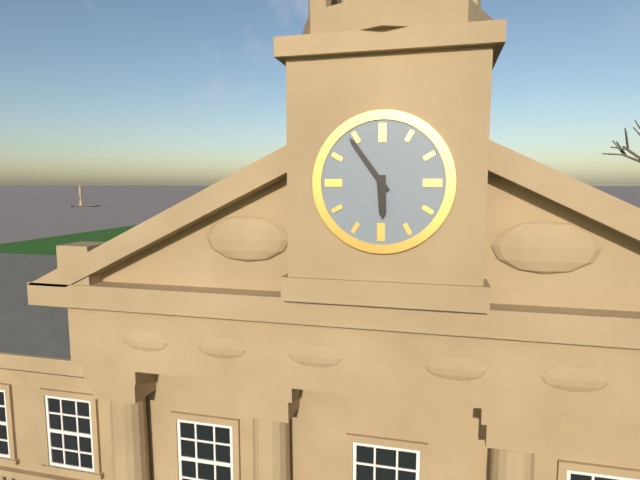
5,54
